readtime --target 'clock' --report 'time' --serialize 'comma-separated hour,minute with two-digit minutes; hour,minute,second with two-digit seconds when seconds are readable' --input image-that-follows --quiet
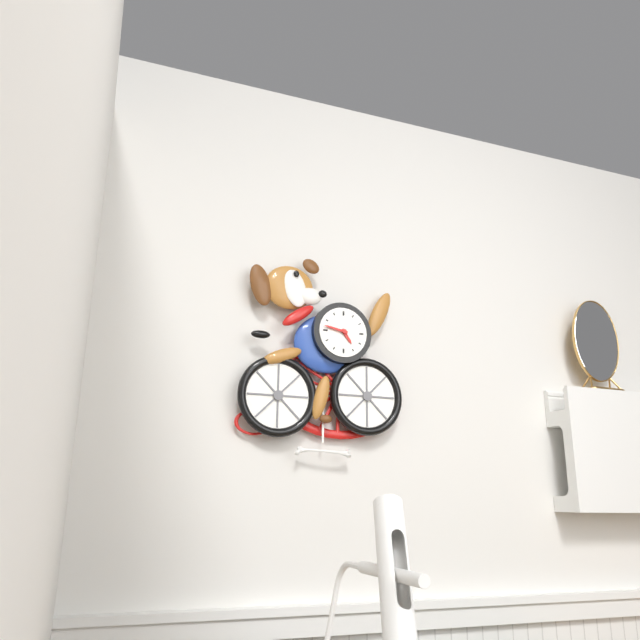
4,47
